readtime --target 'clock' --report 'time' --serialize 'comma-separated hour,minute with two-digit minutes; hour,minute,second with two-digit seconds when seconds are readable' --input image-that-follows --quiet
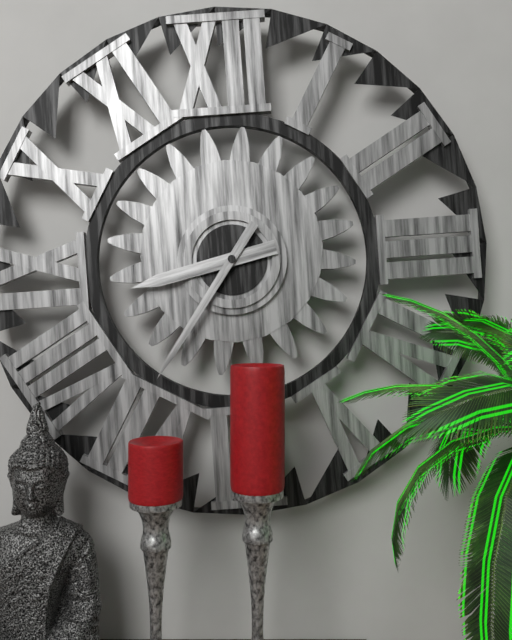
8,36
